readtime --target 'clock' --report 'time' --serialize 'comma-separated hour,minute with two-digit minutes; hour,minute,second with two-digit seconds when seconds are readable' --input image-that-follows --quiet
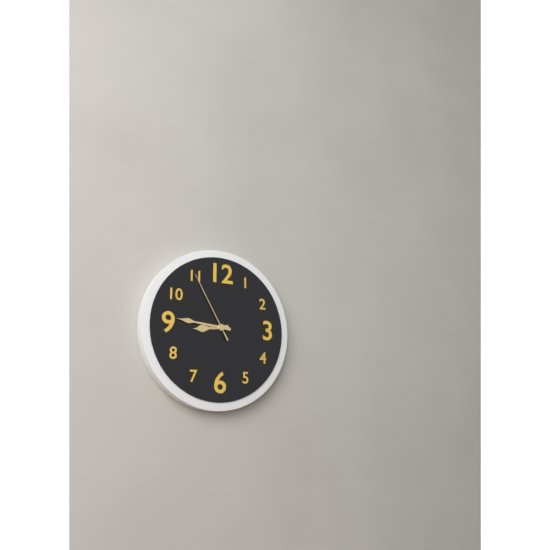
8,46,55
